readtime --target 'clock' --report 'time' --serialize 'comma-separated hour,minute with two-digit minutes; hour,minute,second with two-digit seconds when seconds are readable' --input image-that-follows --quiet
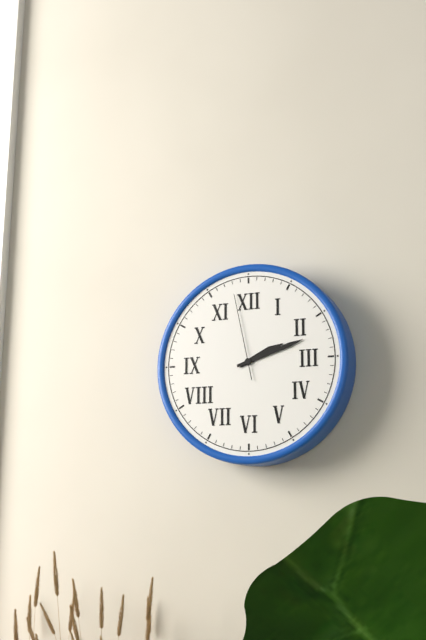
2,12,58
